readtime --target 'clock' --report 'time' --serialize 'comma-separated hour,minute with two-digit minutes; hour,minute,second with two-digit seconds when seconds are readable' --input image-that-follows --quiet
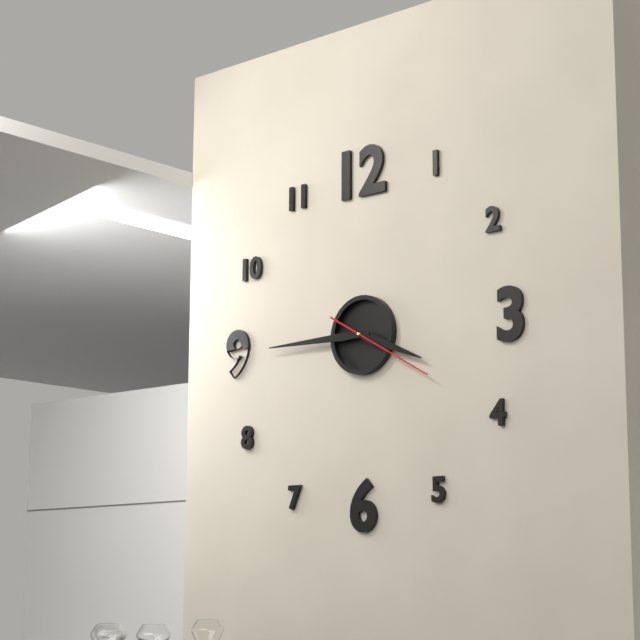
3,45,20
